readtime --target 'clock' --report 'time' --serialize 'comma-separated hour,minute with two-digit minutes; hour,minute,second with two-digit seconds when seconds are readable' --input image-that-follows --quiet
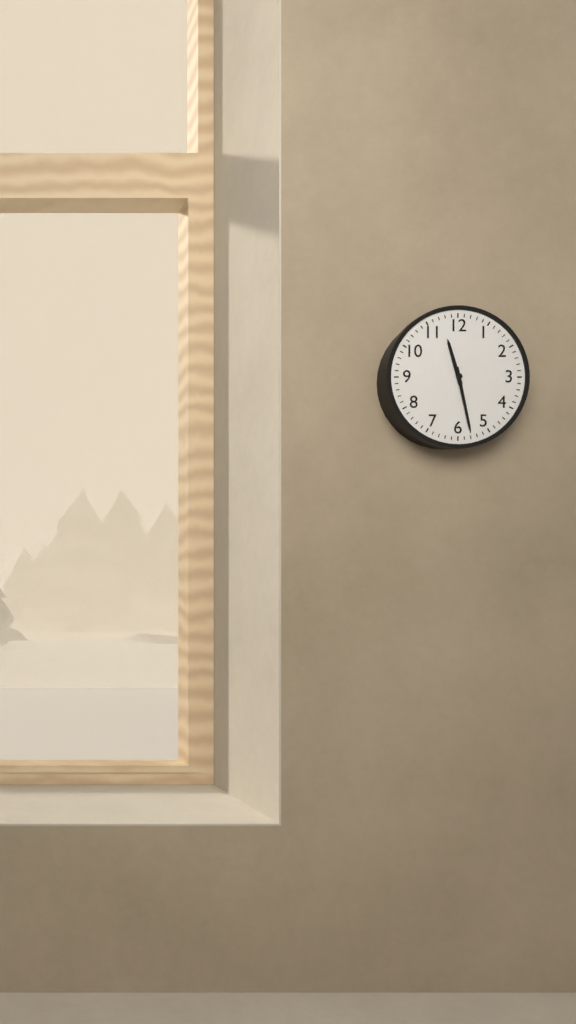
11,28
